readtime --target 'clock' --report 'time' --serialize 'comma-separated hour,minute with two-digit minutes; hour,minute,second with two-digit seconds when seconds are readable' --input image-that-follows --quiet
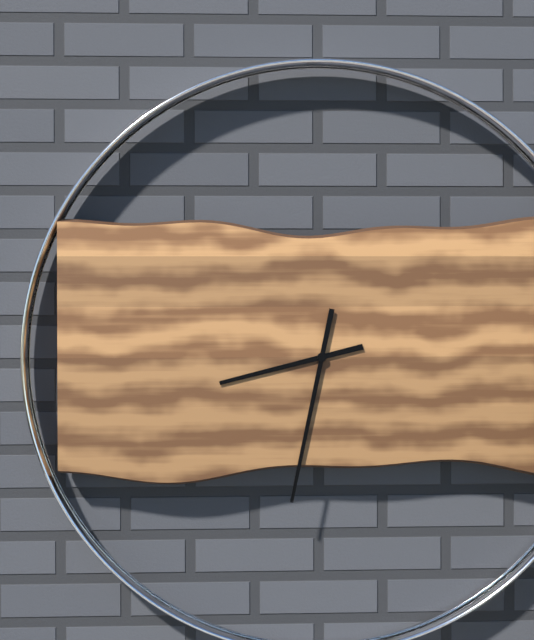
8,32
